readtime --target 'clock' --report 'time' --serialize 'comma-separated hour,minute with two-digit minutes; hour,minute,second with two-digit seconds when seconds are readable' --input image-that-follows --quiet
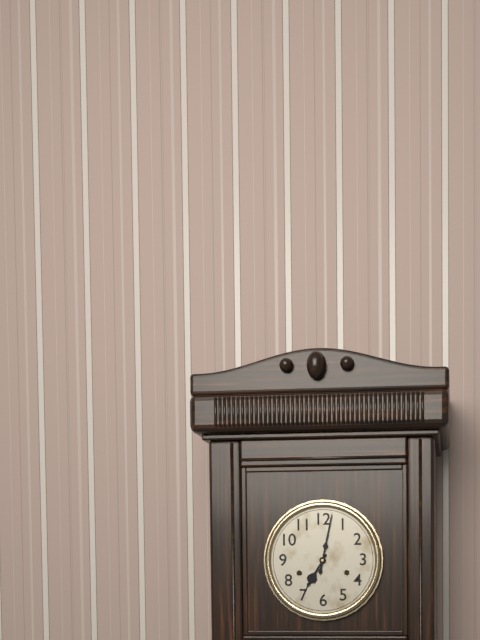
7,02
